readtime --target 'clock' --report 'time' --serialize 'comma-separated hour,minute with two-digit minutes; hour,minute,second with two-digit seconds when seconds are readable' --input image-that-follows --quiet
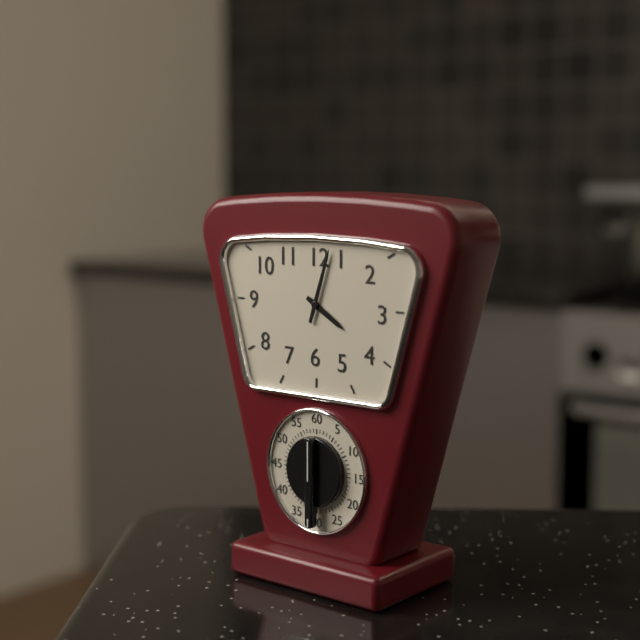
4,03
